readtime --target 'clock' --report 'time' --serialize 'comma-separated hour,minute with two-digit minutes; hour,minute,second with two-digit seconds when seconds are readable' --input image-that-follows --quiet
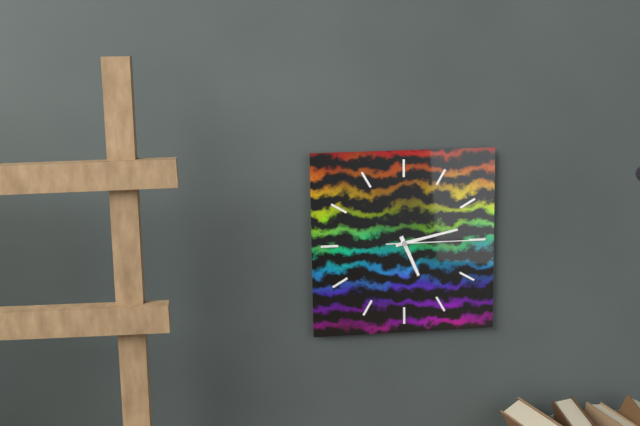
5,13,15
